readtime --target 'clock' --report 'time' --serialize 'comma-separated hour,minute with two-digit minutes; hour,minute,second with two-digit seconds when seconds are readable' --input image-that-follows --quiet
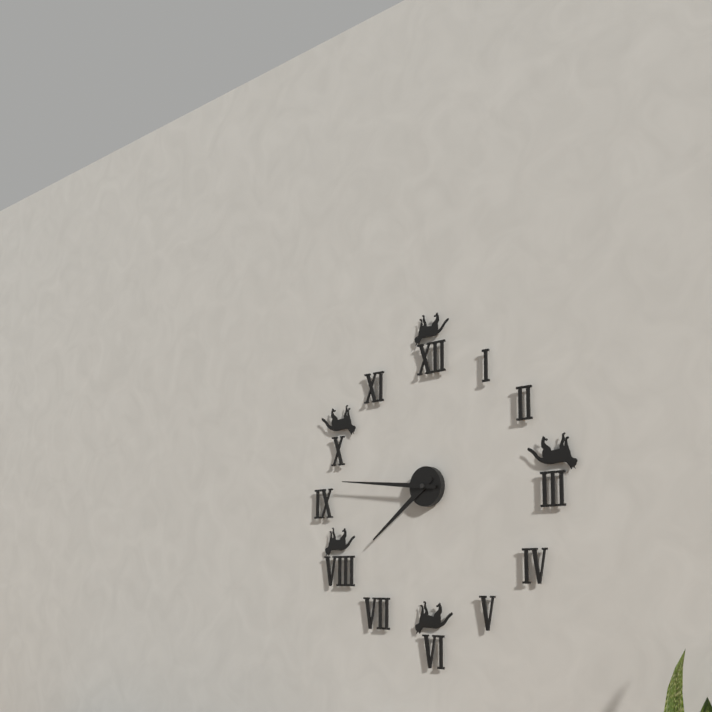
7,46
